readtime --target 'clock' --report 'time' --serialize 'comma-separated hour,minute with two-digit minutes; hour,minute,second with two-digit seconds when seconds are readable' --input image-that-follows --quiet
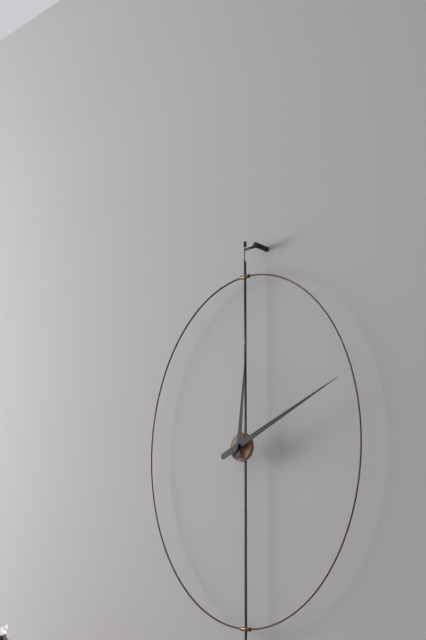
12,11
